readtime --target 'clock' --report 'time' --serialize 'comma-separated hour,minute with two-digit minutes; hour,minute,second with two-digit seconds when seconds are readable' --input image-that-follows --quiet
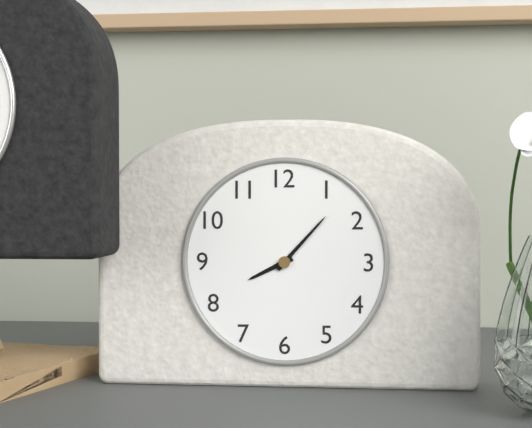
8,07
